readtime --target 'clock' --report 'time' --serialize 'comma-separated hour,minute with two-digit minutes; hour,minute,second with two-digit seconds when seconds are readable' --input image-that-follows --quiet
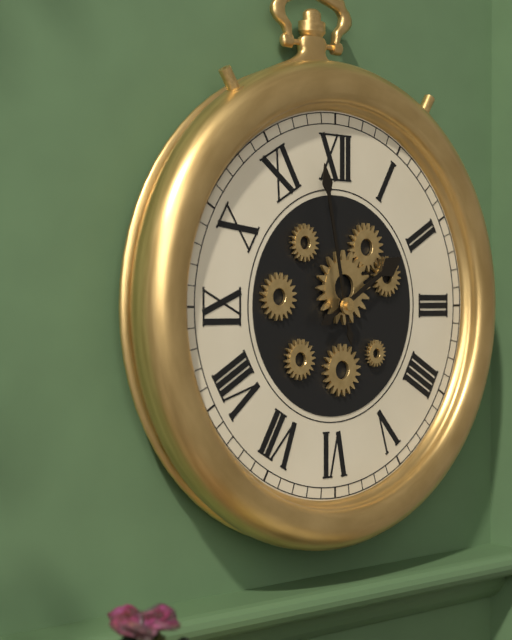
1,58
